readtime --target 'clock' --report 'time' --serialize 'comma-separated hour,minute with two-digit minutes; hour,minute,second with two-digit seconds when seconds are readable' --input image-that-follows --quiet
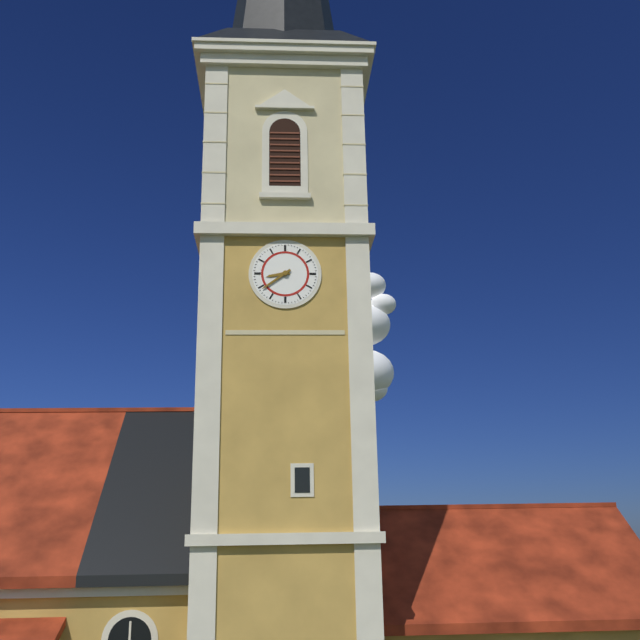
8,39
